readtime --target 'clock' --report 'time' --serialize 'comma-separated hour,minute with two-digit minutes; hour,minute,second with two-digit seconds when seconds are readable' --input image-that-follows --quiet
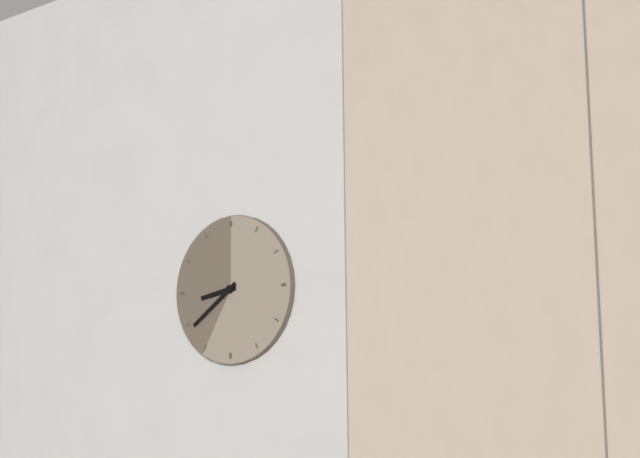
8,39
